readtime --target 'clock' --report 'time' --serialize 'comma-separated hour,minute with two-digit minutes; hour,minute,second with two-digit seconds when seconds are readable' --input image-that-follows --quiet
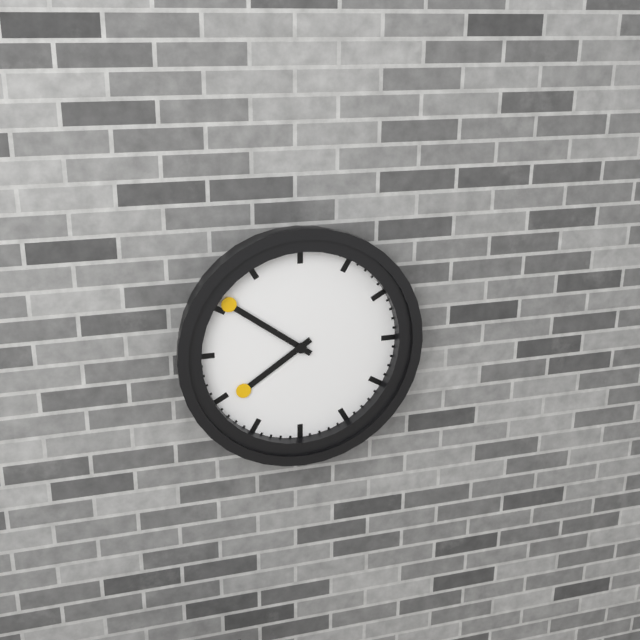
7,51
